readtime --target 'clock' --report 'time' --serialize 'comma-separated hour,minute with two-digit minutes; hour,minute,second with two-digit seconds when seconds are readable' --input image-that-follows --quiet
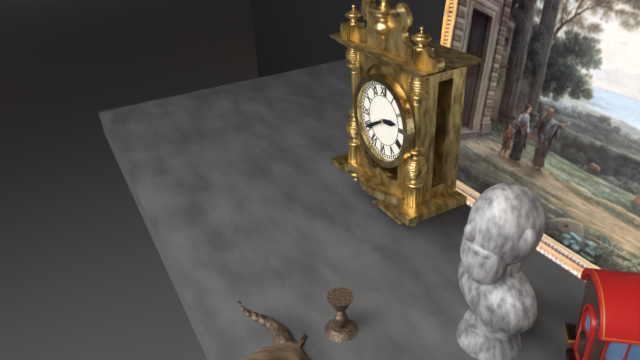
2,40
